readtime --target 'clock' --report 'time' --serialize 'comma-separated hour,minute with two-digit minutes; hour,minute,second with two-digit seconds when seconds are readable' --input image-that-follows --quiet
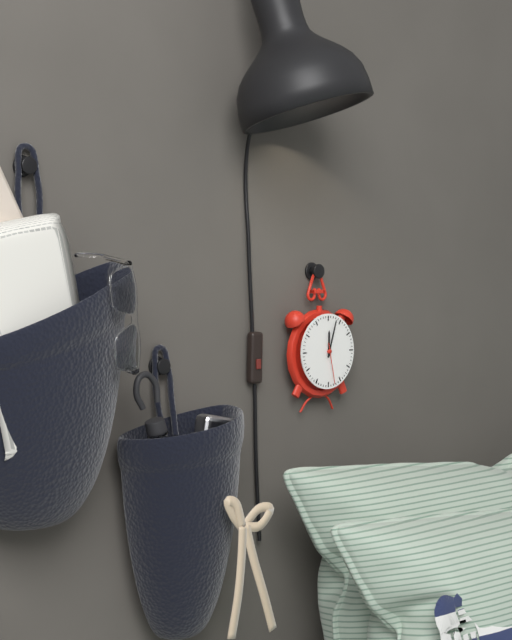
12,03
